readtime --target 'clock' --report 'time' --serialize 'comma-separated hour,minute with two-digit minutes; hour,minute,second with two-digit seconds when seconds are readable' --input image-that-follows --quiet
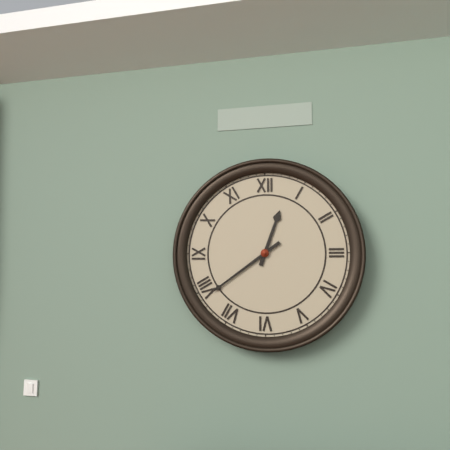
12,39
